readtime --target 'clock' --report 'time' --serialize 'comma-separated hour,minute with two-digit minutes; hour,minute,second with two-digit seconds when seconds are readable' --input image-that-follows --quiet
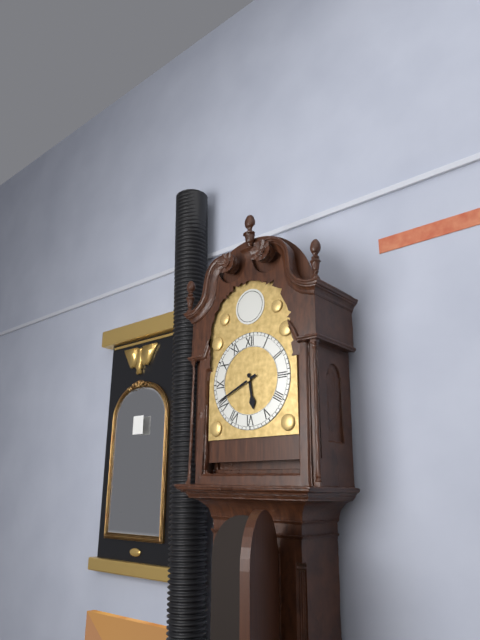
5,41
